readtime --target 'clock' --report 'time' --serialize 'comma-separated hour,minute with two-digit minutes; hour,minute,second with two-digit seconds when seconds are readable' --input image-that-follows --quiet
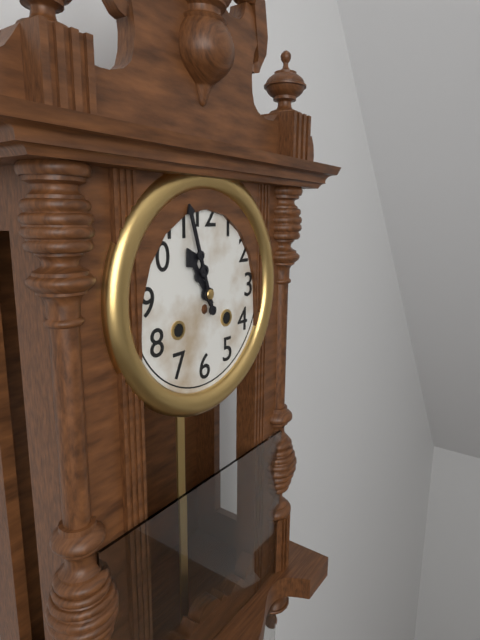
10,57
